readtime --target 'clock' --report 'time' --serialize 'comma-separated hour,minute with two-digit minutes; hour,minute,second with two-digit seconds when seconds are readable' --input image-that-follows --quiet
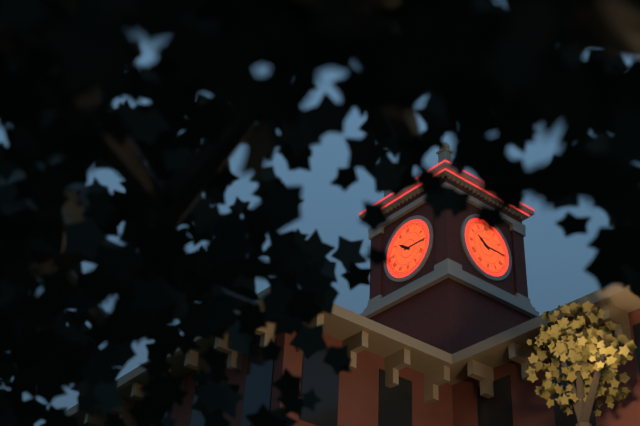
10,15
